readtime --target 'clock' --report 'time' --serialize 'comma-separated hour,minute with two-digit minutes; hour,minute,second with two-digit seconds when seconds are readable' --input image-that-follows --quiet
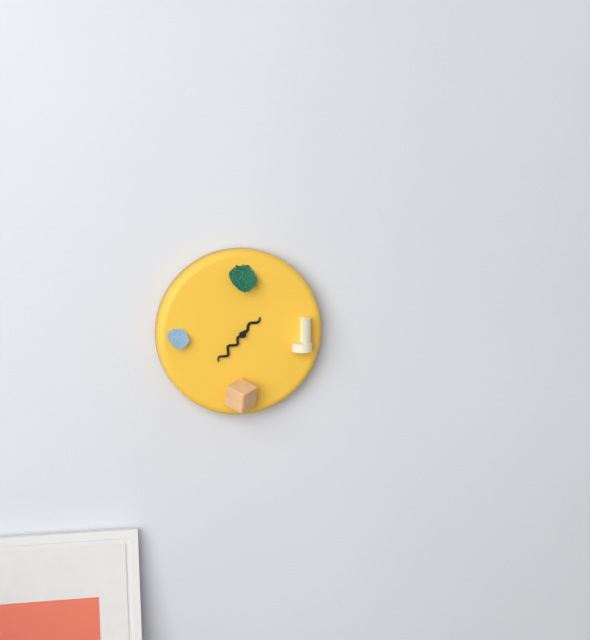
1,37
